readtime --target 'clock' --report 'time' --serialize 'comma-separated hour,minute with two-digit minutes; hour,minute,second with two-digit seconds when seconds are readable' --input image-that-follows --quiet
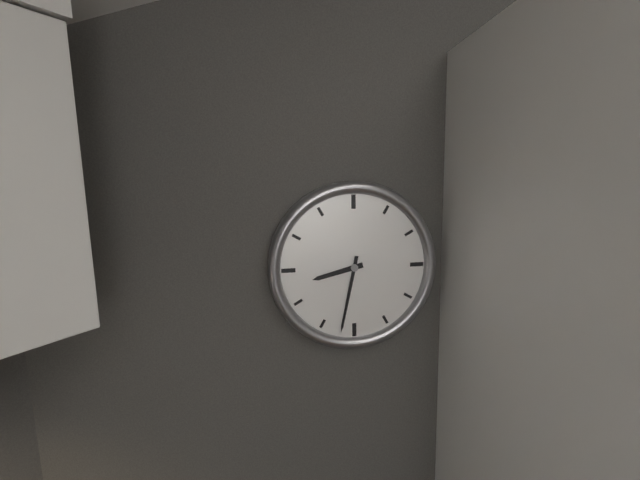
8,32
